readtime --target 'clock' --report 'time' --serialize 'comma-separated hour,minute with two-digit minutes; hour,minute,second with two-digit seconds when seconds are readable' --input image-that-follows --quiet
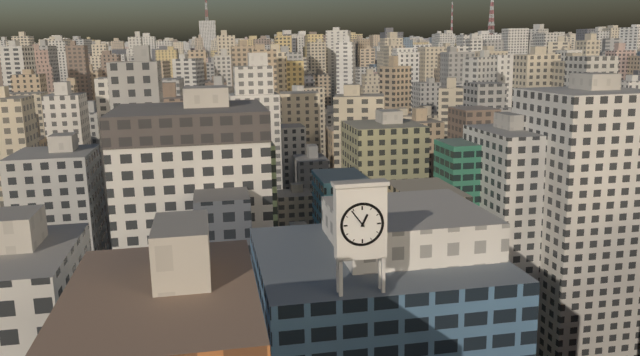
12,54
